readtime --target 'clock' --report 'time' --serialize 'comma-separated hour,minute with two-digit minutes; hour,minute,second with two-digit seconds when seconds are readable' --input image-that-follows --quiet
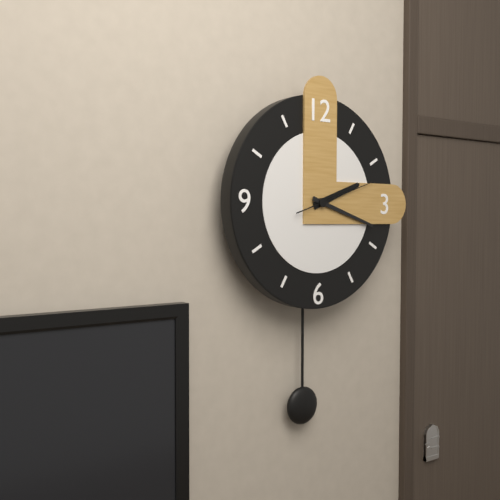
2,18,12
